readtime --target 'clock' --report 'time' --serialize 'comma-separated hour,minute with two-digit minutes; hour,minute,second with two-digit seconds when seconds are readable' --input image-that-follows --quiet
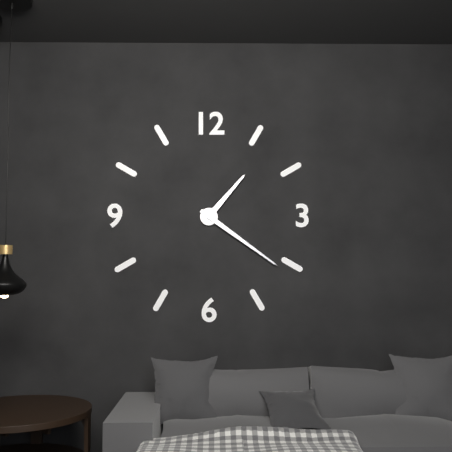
1,21
